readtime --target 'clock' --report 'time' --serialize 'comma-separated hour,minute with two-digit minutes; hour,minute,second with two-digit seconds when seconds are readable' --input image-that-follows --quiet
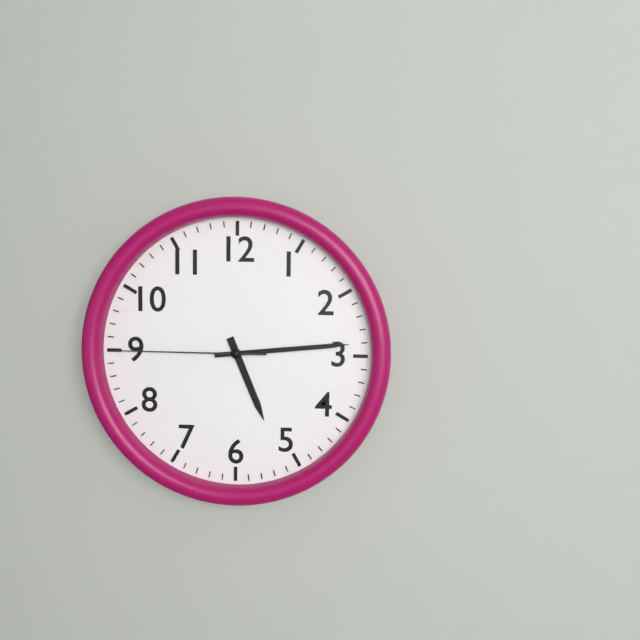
5,14,45
